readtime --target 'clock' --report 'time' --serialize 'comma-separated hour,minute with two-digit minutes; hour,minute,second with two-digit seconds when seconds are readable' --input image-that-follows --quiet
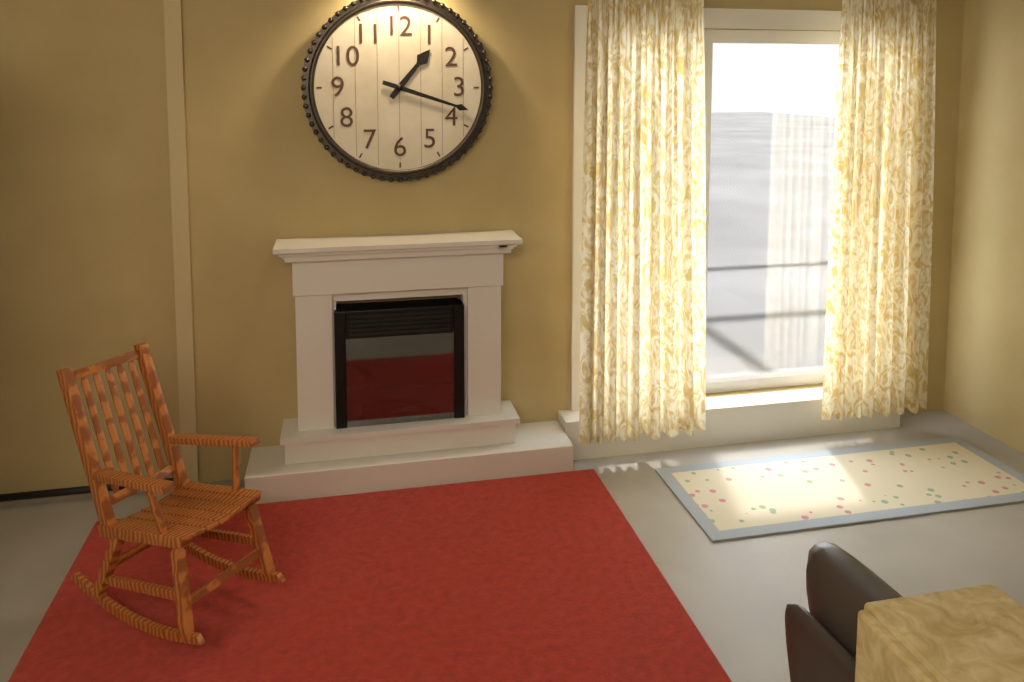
1,18
